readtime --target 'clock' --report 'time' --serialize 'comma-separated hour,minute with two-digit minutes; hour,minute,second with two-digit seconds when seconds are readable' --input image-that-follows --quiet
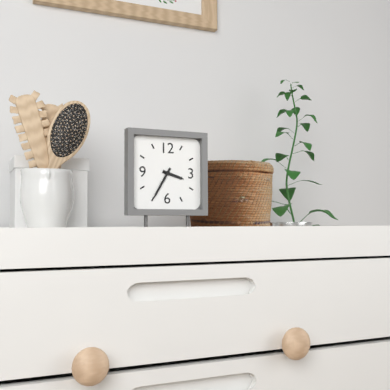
3,35
